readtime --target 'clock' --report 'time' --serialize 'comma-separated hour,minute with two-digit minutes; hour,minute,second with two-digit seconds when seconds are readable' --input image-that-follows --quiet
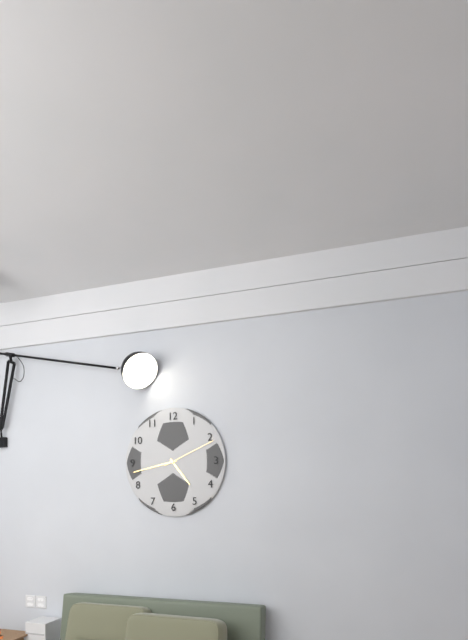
4,43,11
